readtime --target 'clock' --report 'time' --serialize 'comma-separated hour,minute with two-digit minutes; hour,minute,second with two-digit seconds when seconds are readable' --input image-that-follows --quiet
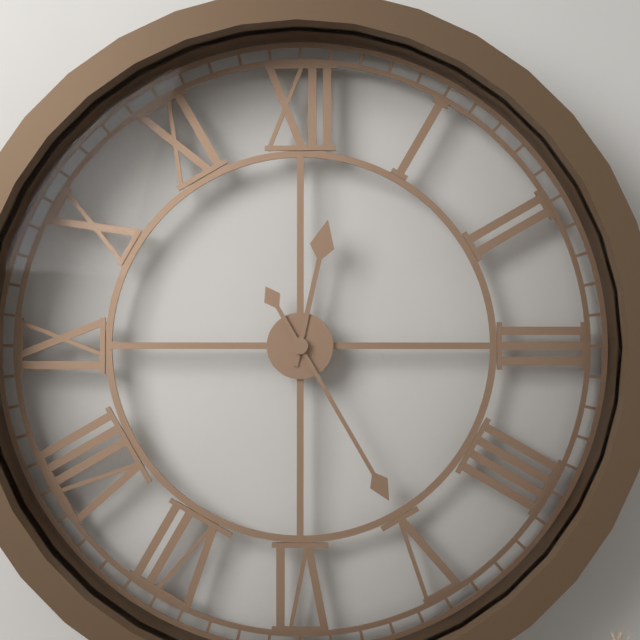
12,25
